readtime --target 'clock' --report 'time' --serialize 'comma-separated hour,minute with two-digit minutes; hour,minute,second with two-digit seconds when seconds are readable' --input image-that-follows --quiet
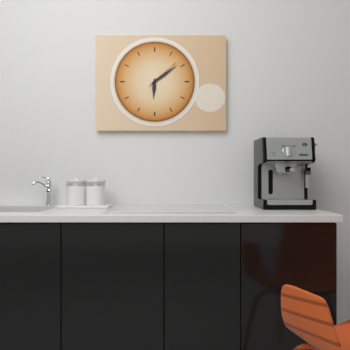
6,09
